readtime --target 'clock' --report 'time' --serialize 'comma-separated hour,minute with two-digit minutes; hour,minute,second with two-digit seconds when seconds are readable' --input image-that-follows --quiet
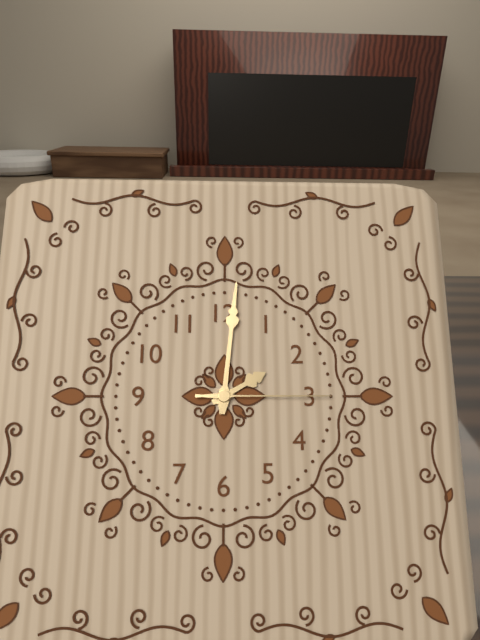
2,01,15
